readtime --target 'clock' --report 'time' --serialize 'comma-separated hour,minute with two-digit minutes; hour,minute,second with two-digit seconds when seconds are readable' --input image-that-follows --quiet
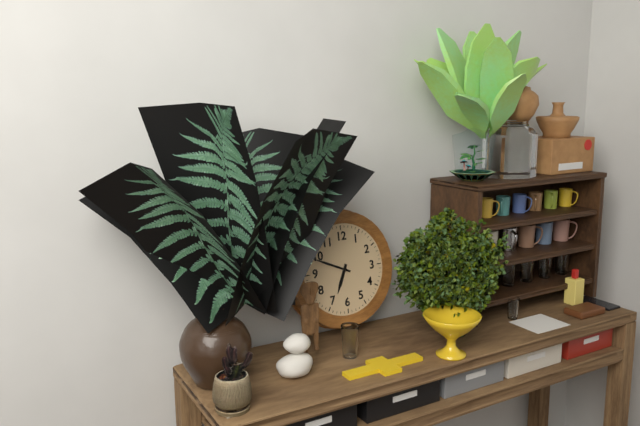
6,49
